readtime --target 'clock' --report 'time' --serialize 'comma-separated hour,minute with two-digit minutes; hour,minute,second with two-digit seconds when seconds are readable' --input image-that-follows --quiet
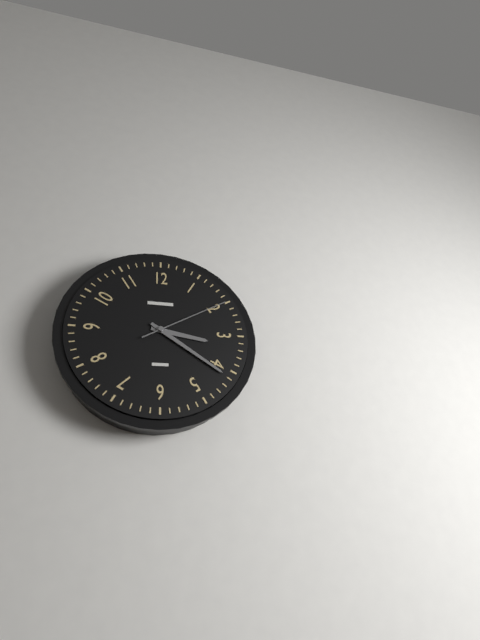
3,21,10
